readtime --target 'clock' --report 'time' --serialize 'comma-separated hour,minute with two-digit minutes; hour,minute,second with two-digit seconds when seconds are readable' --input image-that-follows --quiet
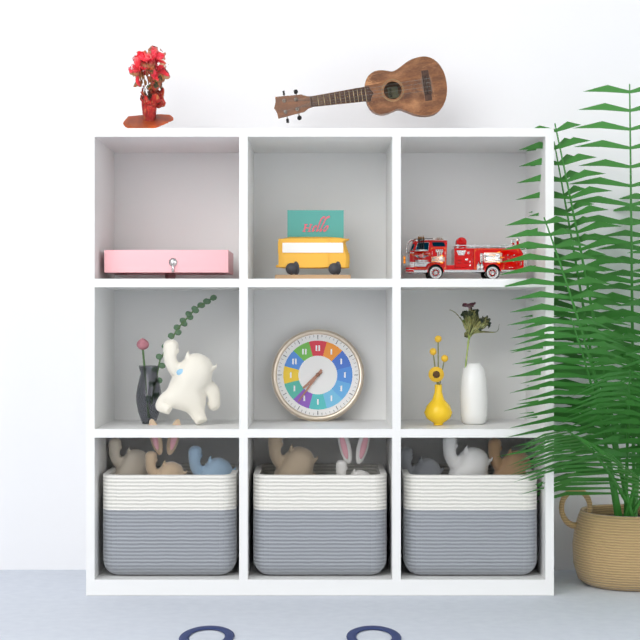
7,36
